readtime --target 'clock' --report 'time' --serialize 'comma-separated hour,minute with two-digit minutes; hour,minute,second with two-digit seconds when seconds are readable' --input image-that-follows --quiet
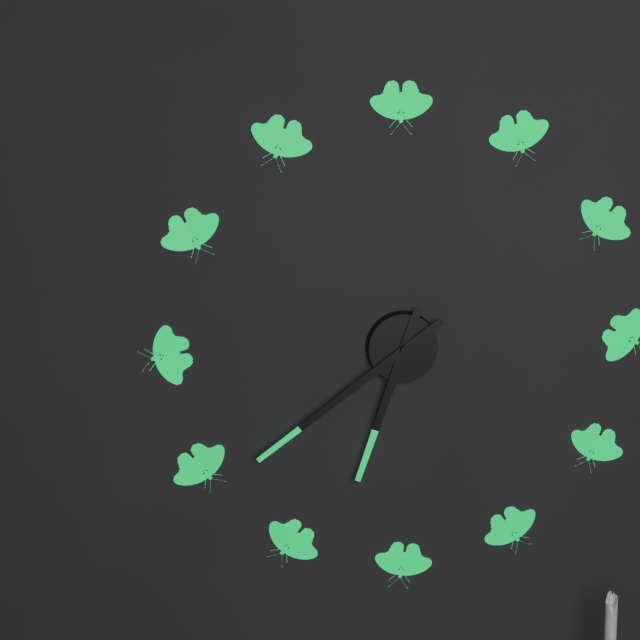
6,39
